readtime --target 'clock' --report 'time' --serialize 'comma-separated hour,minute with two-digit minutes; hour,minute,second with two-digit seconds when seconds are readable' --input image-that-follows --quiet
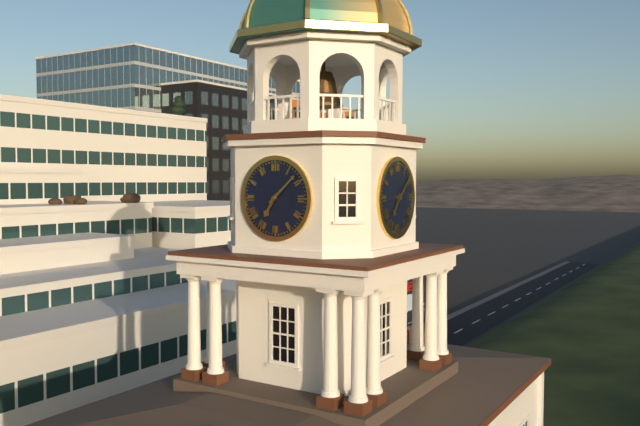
7,08
